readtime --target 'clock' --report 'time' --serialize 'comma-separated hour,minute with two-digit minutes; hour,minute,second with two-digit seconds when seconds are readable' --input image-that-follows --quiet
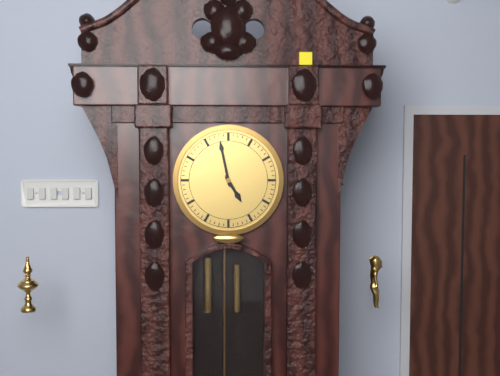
4,58
